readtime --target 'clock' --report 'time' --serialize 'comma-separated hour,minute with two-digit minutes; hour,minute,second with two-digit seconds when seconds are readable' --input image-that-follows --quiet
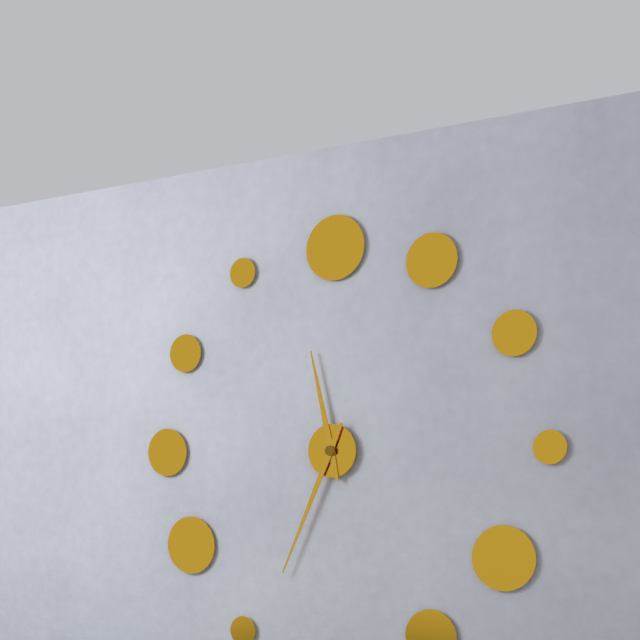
11,34
